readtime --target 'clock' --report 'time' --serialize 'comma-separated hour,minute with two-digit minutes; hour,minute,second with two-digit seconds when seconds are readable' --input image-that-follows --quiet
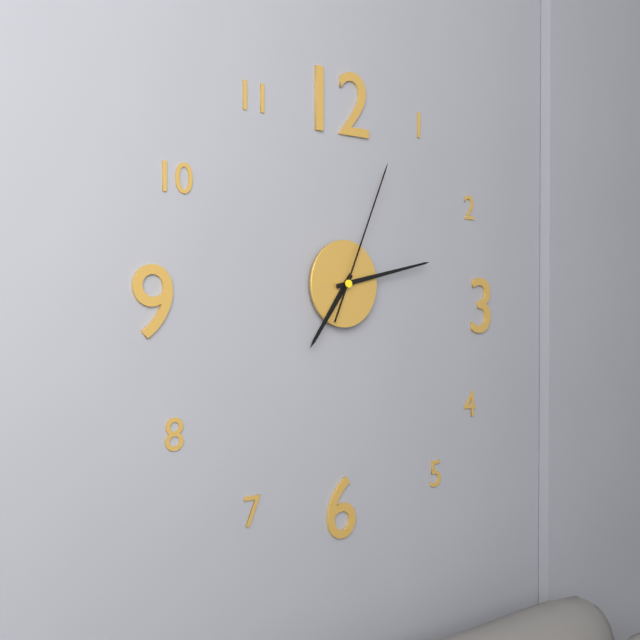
7,13,04
